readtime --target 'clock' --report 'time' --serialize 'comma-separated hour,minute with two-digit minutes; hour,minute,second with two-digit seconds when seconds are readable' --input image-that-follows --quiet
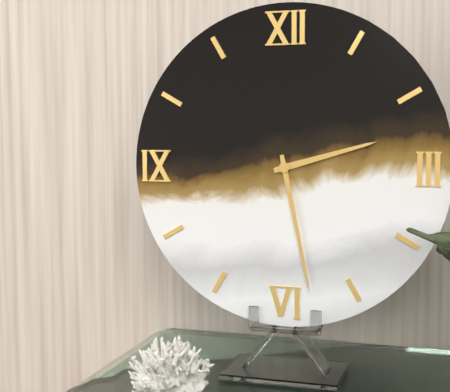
2,28
